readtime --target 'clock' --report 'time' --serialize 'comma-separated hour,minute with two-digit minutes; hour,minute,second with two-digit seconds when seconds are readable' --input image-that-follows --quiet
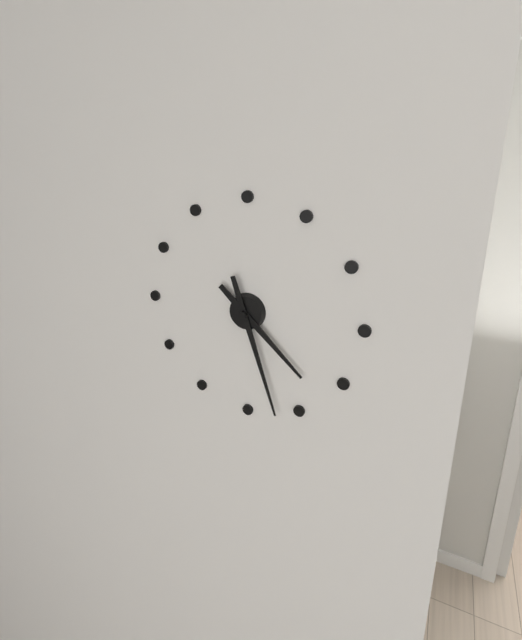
4,27
